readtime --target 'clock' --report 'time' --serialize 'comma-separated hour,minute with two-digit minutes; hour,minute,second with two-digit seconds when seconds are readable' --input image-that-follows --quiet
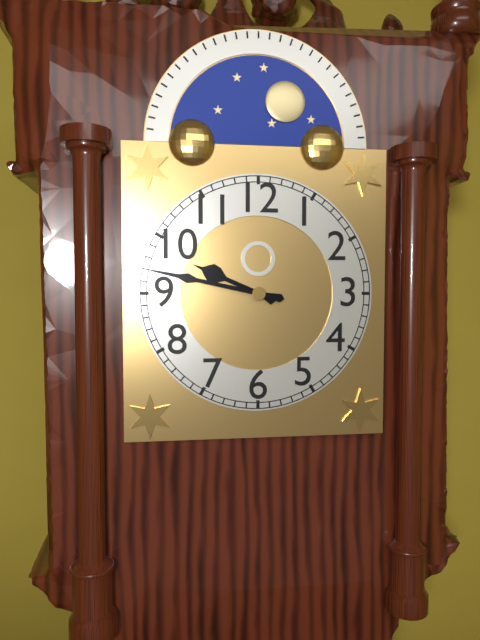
9,47
